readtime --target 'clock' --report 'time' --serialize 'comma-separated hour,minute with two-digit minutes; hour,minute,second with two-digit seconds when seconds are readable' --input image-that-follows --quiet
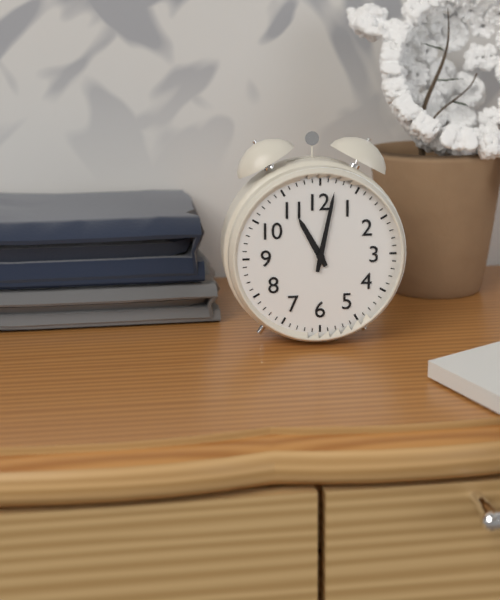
11,02
